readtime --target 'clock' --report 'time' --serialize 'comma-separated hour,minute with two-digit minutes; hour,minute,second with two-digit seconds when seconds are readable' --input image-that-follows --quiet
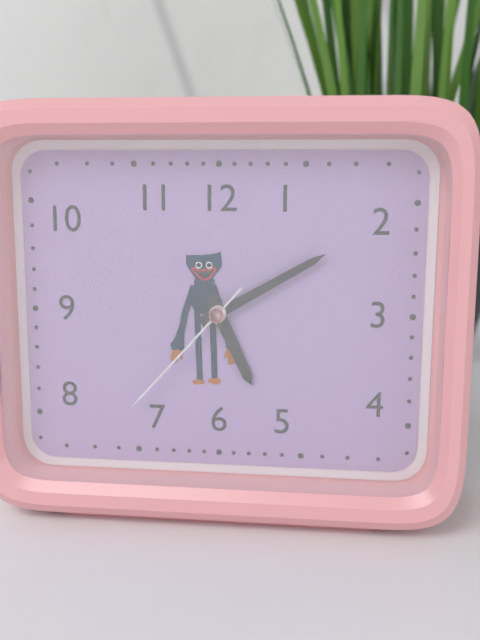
5,10,37
